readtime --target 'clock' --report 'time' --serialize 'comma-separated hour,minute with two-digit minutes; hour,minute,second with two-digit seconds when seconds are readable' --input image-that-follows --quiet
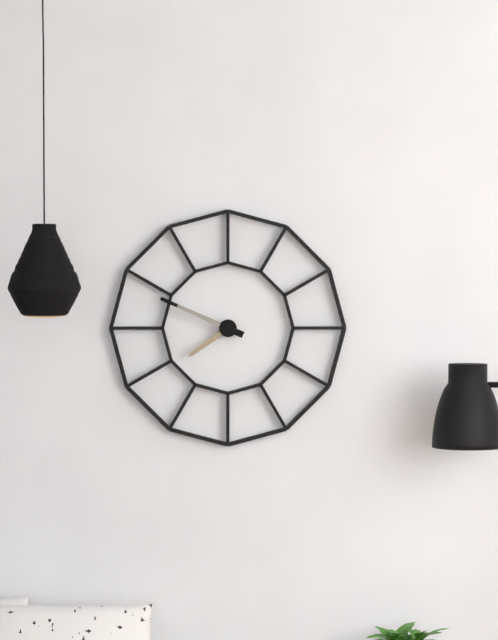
7,49
